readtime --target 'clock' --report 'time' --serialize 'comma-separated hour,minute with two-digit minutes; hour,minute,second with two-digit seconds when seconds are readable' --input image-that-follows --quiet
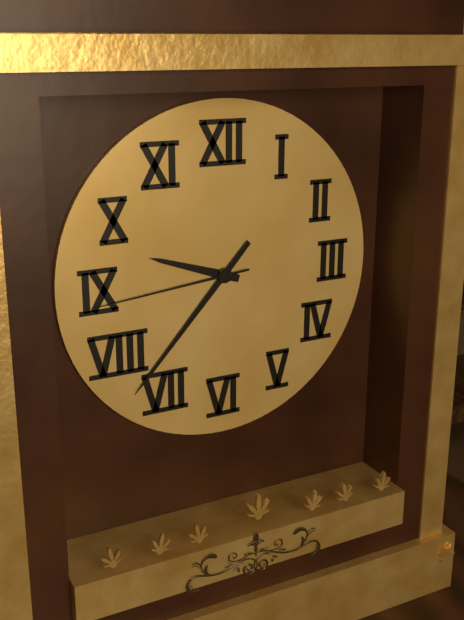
9,37,44
